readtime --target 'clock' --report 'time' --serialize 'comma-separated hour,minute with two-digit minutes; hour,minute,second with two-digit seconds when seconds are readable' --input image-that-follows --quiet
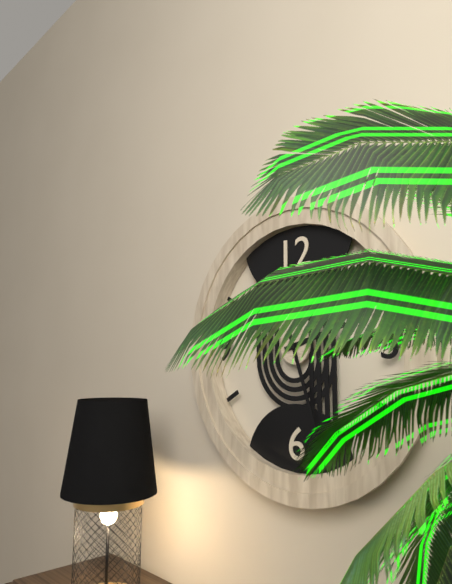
2,27
